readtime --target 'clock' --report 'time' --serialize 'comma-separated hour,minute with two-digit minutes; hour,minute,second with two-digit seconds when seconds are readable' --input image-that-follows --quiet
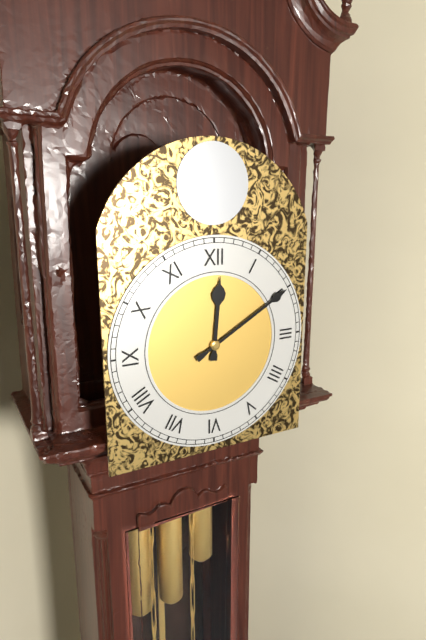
12,10
